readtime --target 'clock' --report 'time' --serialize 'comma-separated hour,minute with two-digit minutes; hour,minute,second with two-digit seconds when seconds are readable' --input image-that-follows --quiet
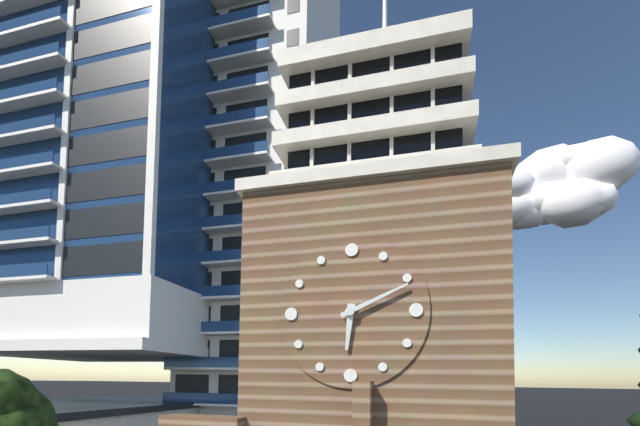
6,11
